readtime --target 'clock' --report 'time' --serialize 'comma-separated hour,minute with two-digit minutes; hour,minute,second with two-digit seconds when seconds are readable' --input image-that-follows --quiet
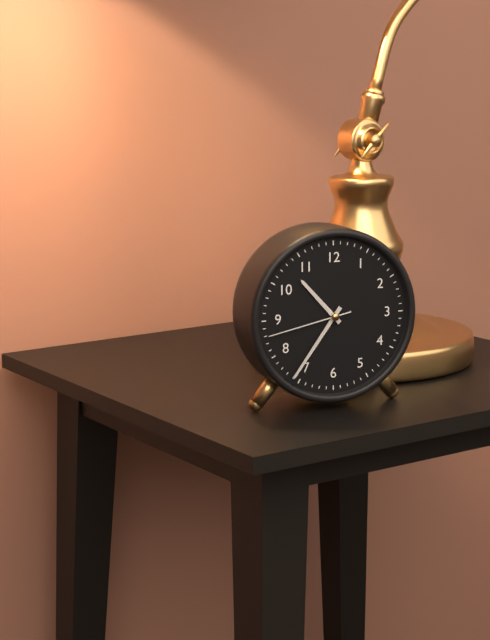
10,36,43
